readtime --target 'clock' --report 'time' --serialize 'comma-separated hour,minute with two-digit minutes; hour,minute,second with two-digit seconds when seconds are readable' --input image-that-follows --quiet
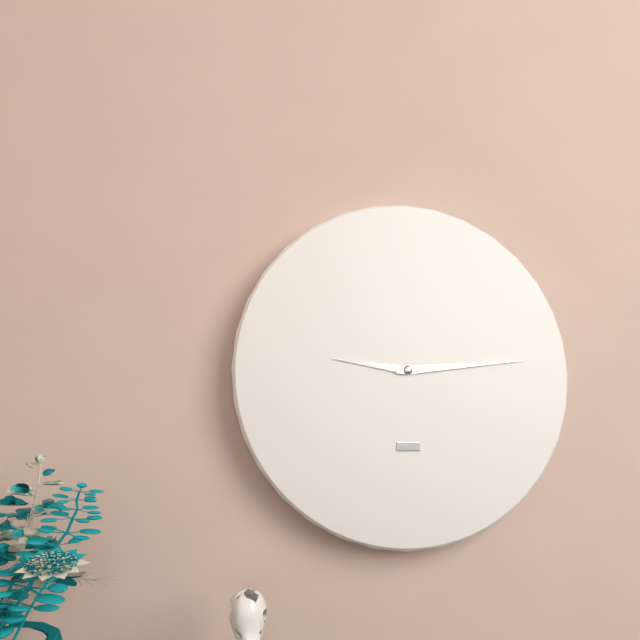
9,14
